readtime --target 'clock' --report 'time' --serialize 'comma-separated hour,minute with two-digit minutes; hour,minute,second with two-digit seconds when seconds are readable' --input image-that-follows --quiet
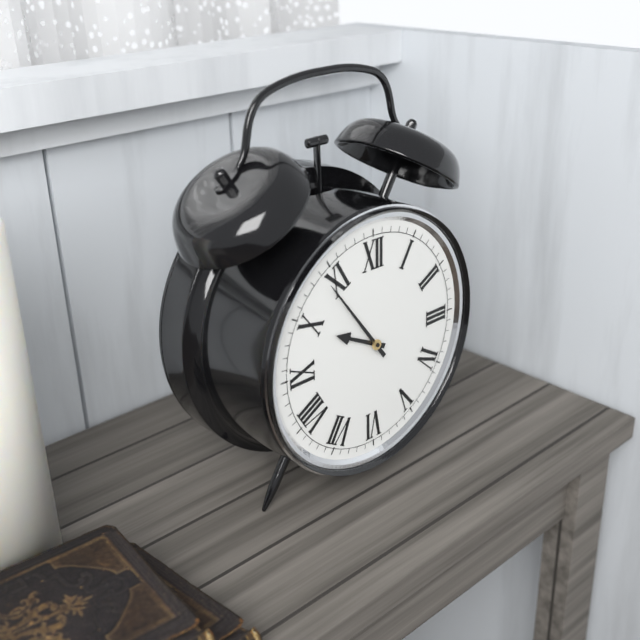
9,54
